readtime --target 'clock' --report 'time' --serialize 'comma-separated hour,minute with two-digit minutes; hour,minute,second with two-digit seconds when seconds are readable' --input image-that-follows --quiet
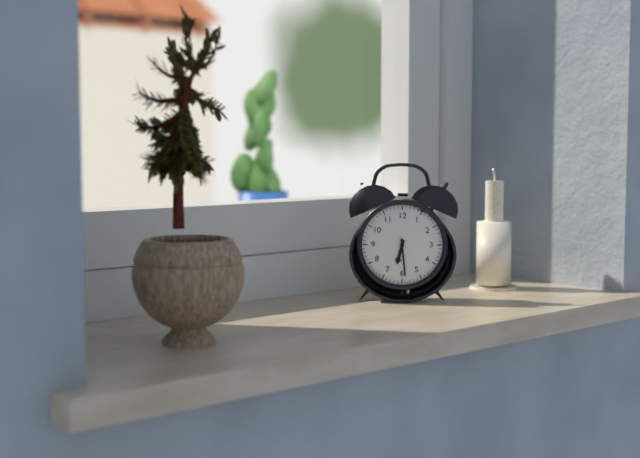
6,29
